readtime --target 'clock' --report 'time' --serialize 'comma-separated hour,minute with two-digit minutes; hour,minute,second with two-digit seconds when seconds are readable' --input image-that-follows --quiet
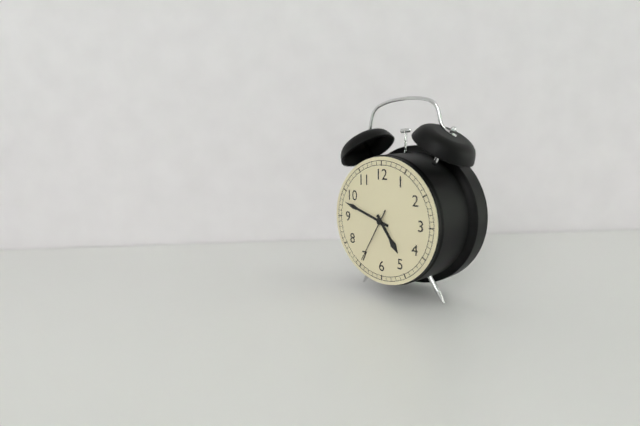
4,48,35
